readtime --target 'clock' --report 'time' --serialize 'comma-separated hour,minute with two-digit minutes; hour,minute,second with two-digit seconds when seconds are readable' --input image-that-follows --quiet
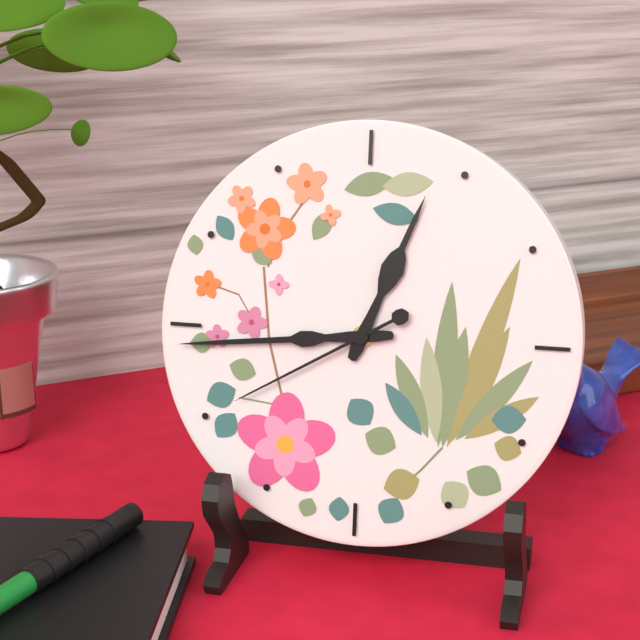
12,44,40
